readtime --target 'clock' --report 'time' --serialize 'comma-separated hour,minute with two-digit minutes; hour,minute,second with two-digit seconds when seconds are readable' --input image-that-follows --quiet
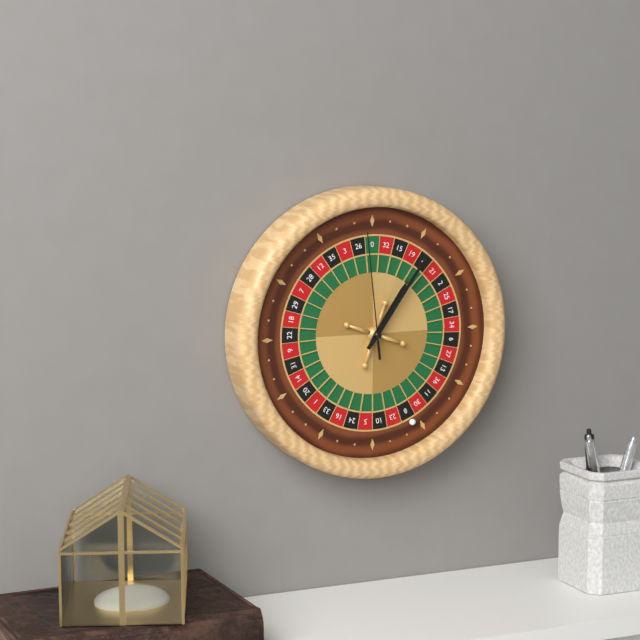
1,06,59
